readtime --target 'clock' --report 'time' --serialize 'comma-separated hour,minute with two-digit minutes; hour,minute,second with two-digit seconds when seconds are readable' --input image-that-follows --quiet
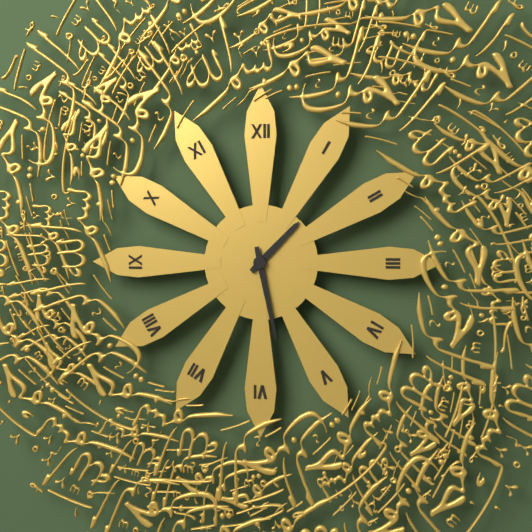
1,28
